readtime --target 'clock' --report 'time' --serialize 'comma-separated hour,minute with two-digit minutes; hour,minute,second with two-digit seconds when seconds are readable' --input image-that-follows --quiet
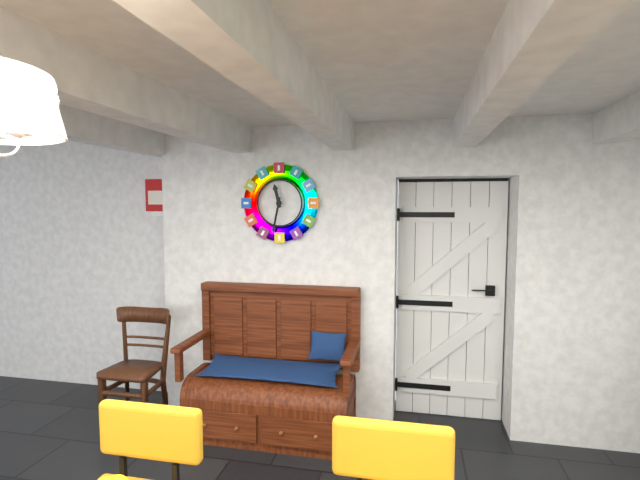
11,32
